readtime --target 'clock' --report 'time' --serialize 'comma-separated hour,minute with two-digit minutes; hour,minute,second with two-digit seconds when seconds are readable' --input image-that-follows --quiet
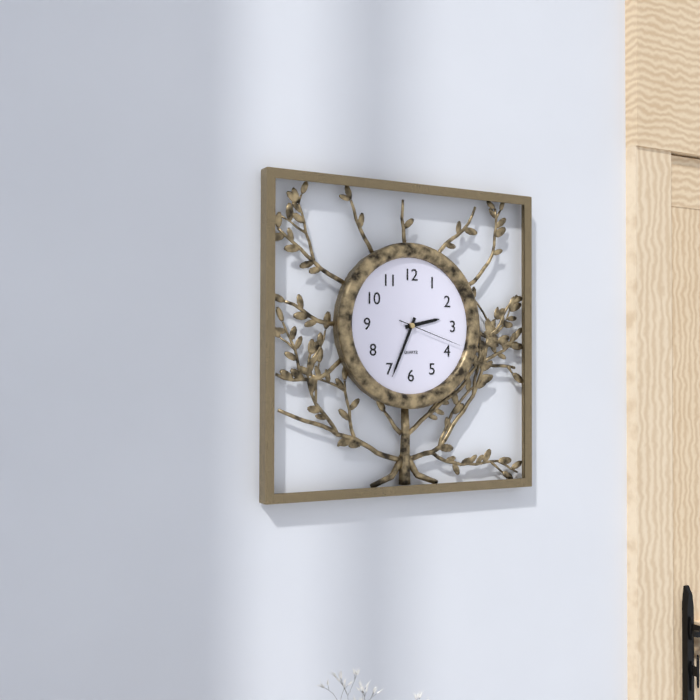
2,34,18
